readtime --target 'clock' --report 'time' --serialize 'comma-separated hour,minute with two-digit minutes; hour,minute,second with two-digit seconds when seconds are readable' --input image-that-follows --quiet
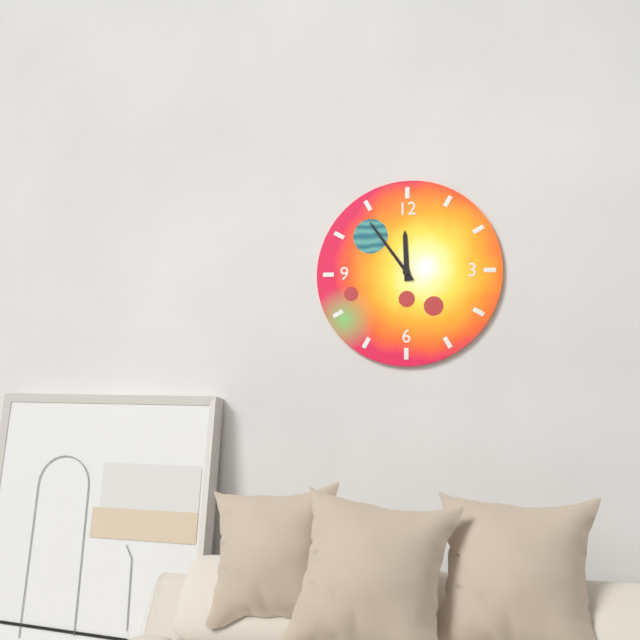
11,54
